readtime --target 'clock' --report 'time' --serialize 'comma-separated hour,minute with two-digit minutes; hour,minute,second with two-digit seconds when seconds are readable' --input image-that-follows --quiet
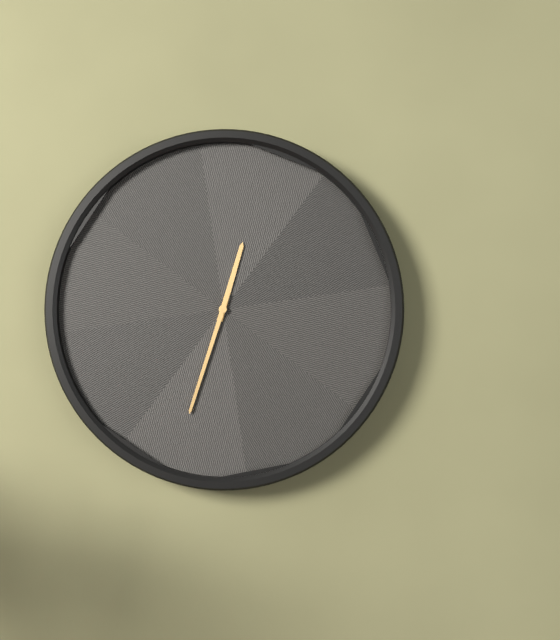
12,33
